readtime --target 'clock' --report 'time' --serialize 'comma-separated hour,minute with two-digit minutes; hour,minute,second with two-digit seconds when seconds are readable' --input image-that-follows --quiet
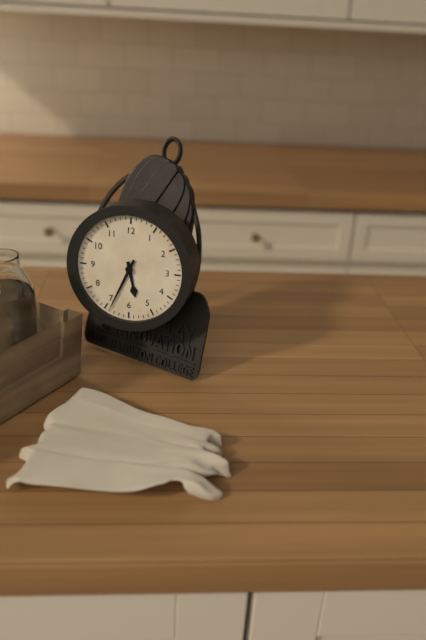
5,34
